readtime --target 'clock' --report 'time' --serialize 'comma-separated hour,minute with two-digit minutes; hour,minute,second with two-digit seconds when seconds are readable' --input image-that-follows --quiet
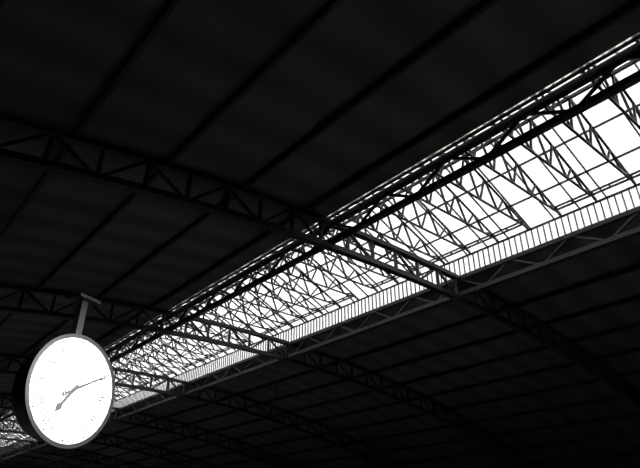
7,10
